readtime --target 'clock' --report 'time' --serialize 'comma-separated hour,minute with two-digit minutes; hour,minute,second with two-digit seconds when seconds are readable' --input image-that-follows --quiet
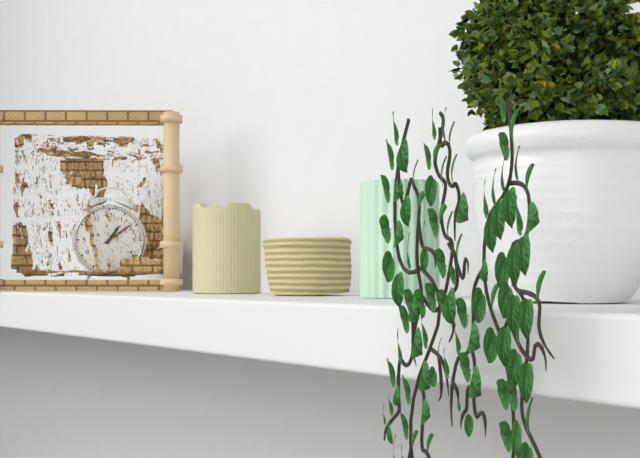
1,09
